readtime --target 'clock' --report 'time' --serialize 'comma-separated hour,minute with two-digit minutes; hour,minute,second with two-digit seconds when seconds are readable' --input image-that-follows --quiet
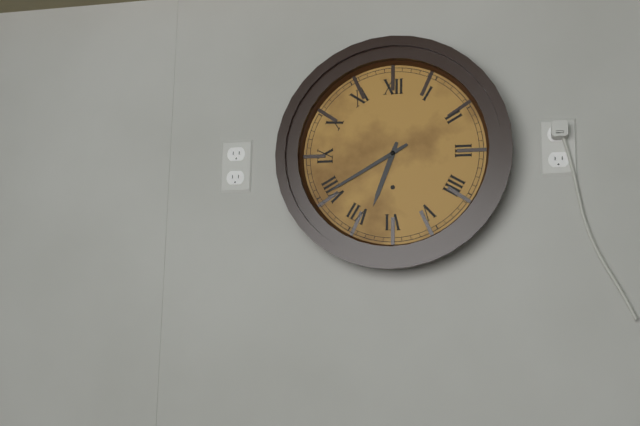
6,40
